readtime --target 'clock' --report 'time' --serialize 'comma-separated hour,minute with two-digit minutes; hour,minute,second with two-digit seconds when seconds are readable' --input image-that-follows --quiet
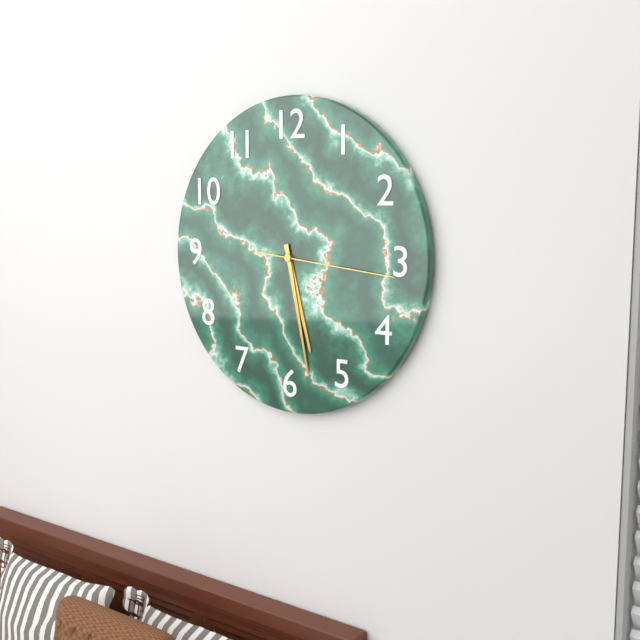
5,28,16
